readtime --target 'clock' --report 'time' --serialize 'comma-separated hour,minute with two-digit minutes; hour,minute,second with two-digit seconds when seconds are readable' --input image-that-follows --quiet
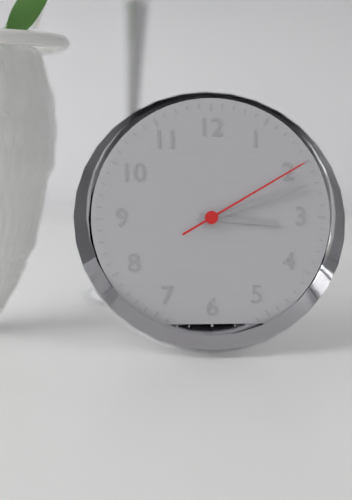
3,12,10
